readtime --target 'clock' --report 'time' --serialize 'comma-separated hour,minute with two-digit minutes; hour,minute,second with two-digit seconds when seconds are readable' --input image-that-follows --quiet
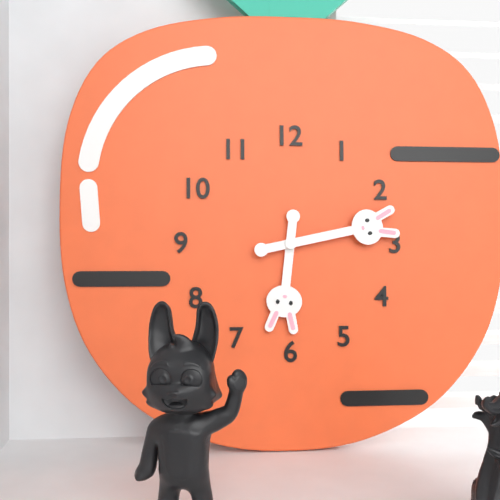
6,13
